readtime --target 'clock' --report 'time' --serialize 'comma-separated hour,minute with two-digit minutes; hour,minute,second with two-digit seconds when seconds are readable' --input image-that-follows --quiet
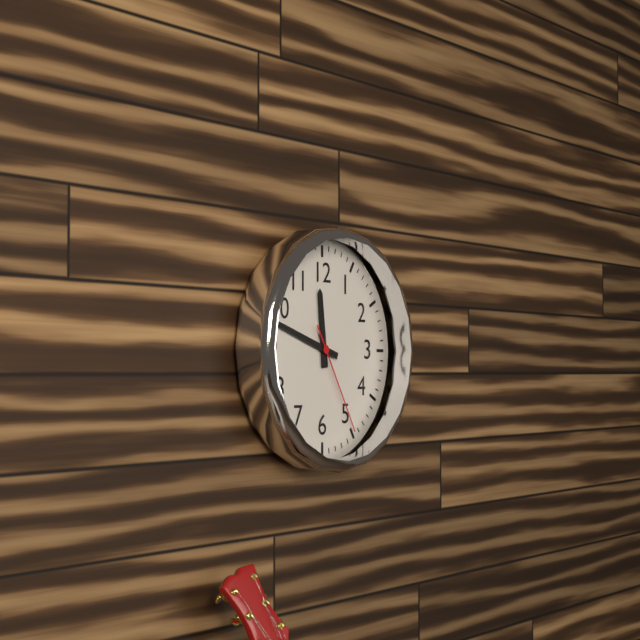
11,48,25
